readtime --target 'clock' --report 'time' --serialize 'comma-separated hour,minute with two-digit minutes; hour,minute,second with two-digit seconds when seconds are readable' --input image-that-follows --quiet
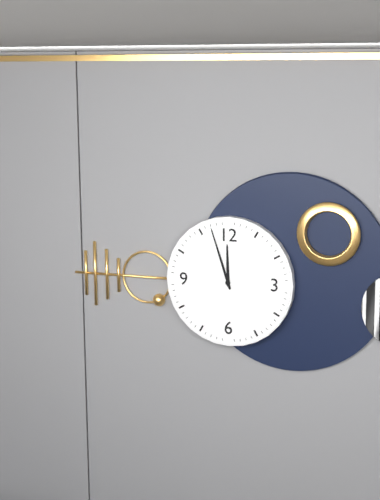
11,57
